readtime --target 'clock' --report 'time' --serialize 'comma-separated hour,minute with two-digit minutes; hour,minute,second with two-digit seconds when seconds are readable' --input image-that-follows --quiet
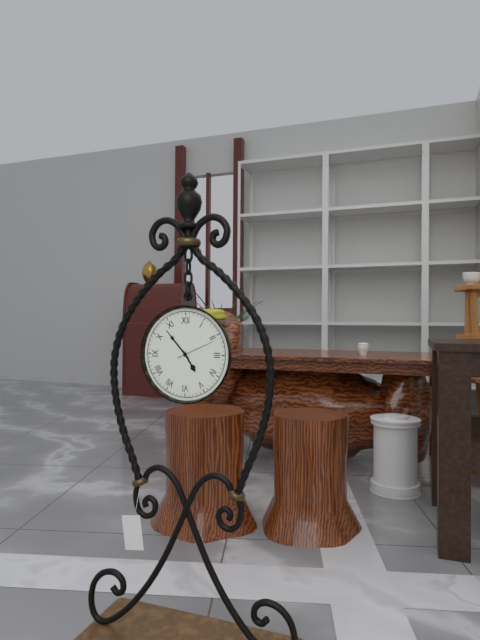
4,53
